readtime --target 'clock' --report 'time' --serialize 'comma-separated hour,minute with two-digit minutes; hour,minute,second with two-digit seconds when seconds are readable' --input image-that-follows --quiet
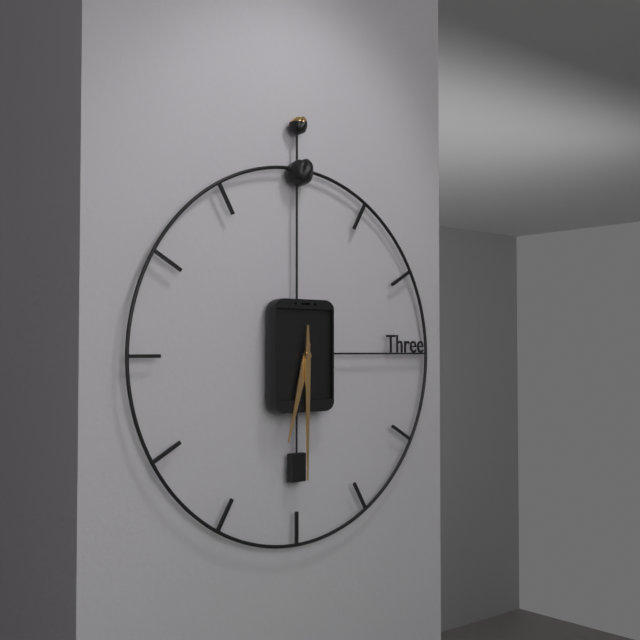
6,30
